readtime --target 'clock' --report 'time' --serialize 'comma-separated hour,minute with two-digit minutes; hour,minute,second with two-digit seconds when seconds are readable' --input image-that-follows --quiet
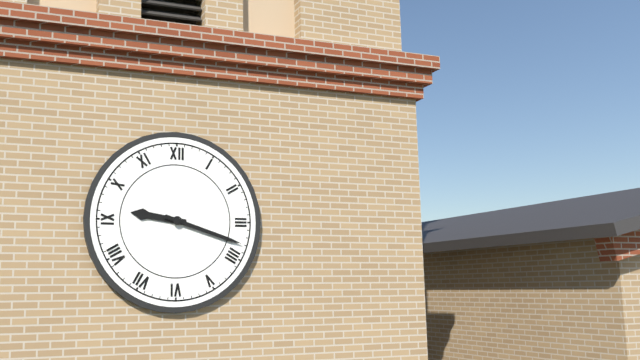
9,18
